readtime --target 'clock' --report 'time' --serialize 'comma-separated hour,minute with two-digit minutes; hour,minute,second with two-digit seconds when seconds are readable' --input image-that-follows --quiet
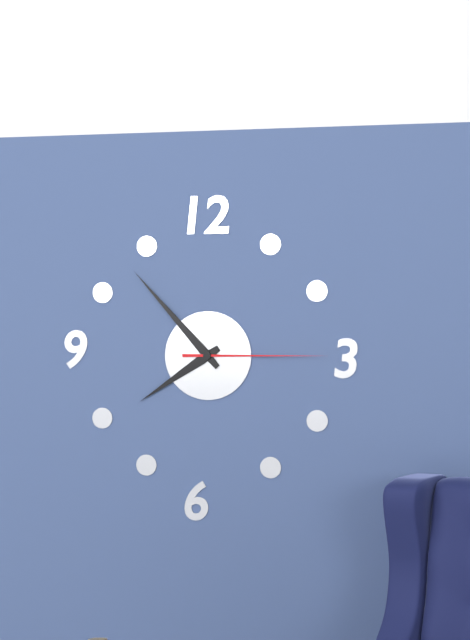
7,53,15
